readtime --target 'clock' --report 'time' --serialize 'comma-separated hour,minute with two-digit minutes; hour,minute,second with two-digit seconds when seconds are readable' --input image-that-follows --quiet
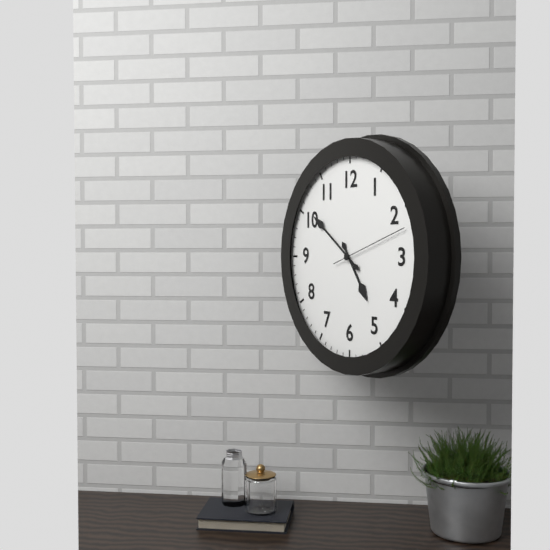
4,51,12
